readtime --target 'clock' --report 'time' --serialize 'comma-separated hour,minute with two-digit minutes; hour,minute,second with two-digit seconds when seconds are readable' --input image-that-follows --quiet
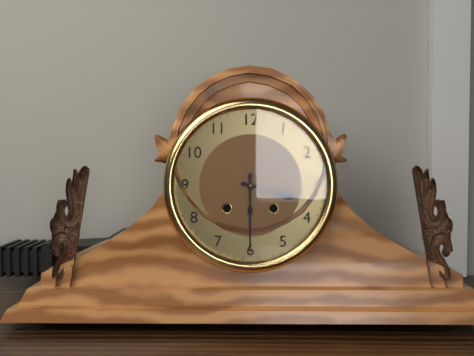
3,30
